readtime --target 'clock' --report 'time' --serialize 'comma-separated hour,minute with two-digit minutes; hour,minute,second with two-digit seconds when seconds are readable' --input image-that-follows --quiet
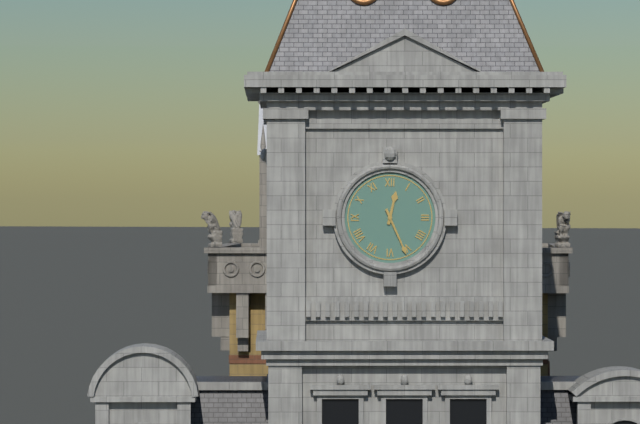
12,26
